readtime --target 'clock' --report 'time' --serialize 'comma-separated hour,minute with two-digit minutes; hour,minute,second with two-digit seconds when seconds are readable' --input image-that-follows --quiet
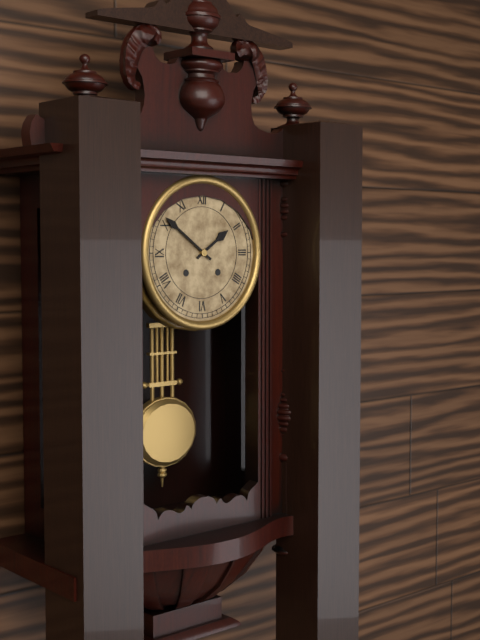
1,51
